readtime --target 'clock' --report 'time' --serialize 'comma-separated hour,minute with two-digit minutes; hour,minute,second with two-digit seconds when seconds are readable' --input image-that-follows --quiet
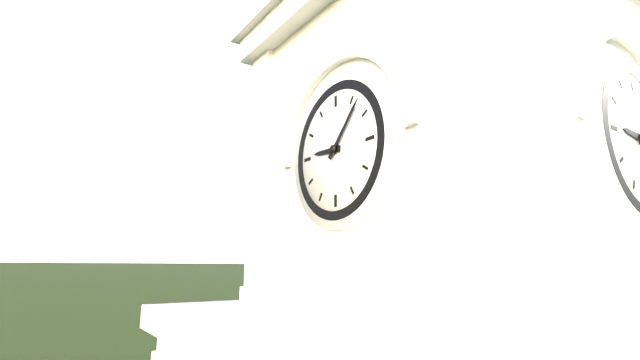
9,07
